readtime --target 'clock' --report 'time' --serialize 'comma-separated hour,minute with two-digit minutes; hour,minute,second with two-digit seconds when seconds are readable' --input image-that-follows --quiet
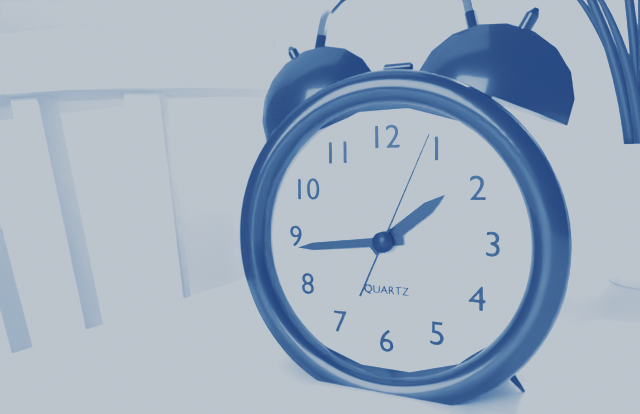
1,44,04
